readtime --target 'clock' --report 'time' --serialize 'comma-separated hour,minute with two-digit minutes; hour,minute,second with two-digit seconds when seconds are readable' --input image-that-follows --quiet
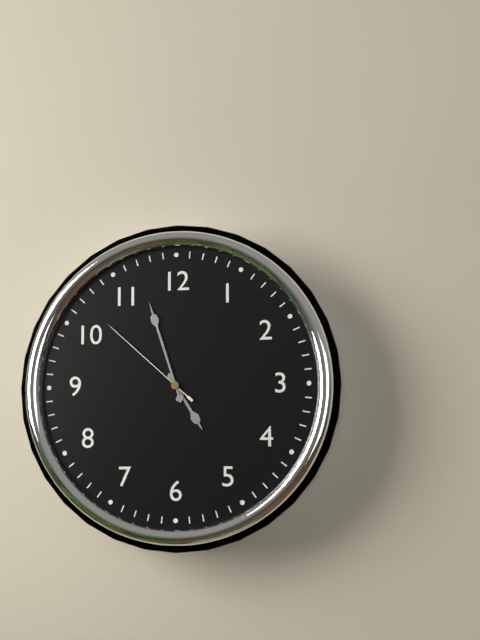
4,57,52
